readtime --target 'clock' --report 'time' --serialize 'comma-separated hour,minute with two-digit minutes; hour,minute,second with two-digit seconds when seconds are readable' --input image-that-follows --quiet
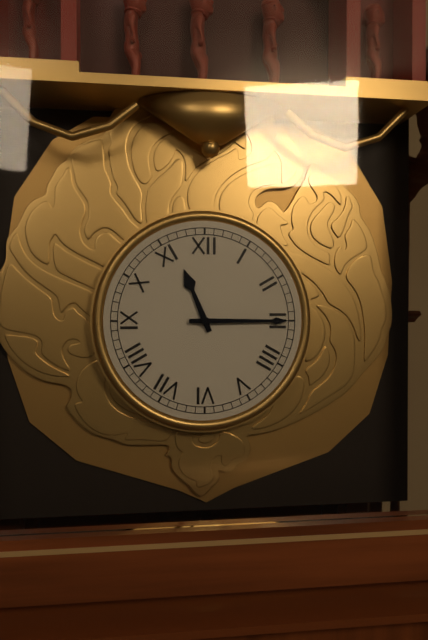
11,15
